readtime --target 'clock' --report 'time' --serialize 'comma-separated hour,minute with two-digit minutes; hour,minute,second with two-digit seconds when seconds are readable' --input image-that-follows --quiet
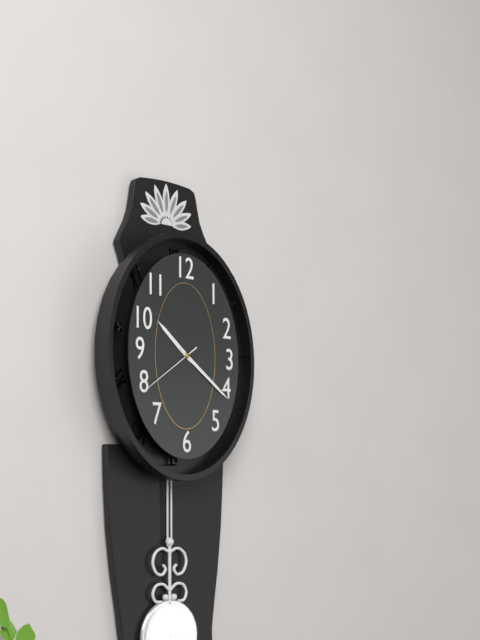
10,21,39
